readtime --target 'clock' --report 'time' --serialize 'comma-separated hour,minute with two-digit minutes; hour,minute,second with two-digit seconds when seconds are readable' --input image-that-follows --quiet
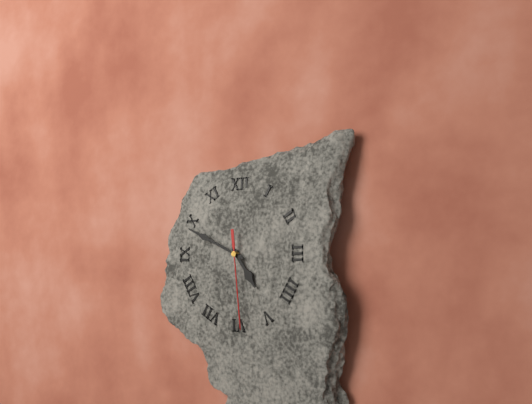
4,49,29
